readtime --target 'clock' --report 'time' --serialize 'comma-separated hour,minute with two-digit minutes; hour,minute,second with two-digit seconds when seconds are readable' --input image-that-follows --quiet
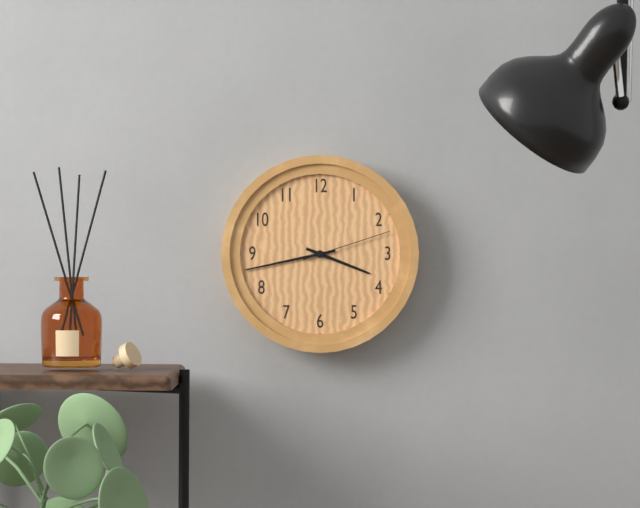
3,43,12
